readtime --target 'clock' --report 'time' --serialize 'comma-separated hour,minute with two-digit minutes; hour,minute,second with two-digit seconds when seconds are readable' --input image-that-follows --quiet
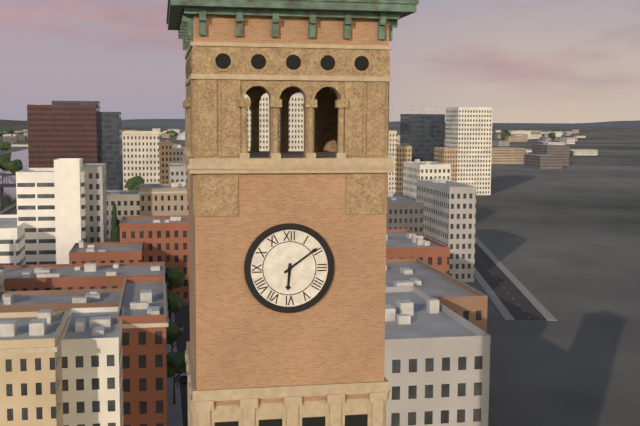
6,09
